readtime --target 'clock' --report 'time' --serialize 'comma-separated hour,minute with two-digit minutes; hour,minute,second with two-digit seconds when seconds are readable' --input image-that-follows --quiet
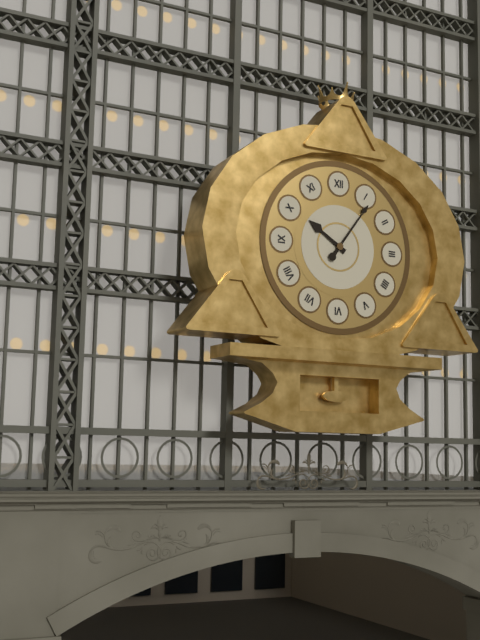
10,06
